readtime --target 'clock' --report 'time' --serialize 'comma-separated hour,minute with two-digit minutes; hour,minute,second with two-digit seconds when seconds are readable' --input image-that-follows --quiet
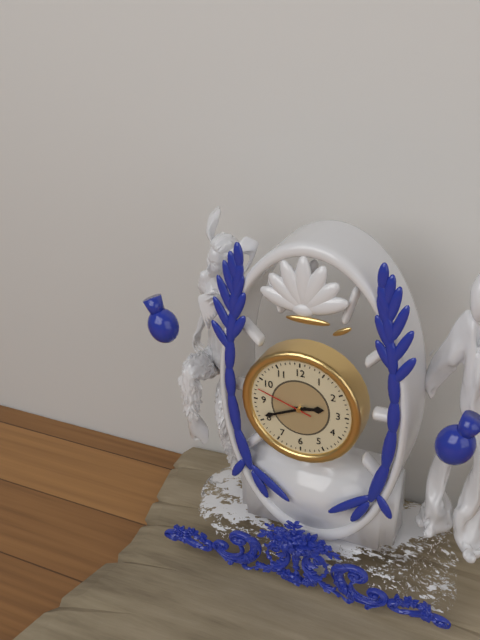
2,41,48
